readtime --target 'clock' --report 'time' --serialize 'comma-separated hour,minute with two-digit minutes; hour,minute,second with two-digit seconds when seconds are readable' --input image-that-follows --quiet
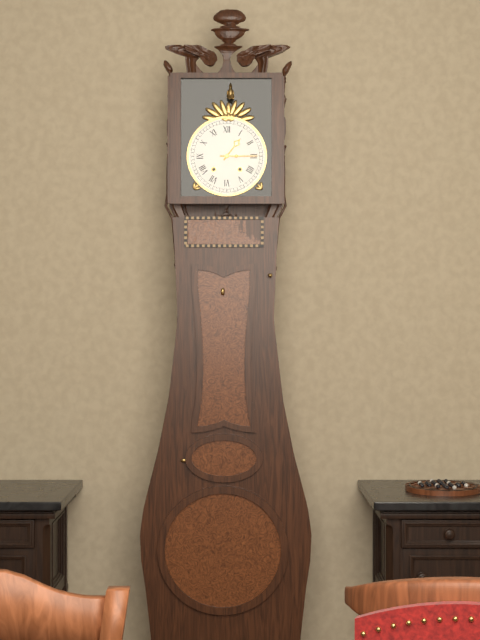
1,15
